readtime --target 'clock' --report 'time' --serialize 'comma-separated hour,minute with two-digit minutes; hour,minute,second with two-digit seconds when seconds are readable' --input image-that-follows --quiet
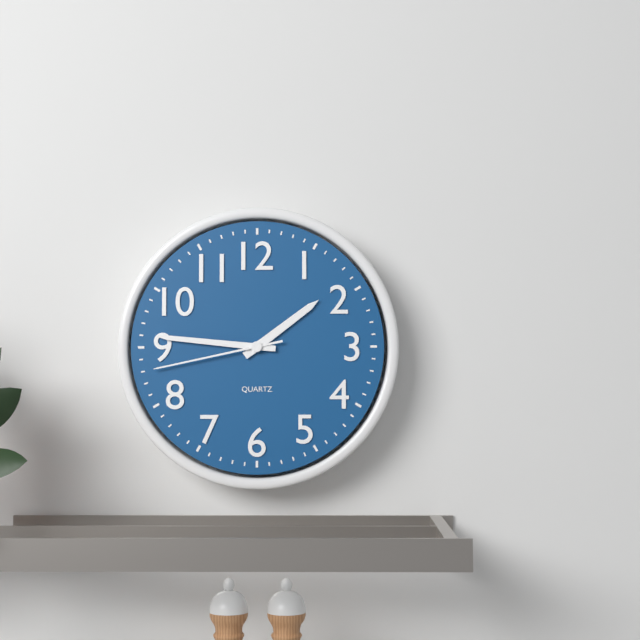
1,46,43
